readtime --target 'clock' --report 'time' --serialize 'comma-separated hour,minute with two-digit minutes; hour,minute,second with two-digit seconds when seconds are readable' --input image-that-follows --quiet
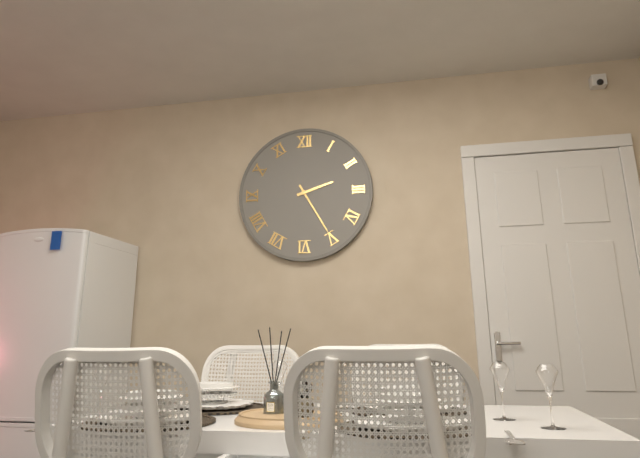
2,25
